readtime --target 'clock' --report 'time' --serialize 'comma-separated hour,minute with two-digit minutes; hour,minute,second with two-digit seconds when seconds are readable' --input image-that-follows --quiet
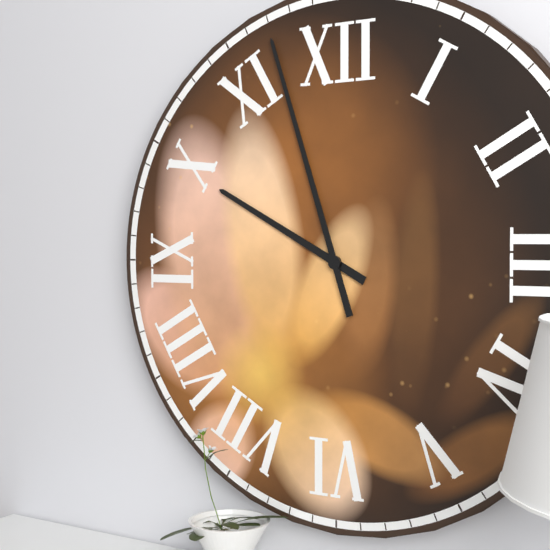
9,57
